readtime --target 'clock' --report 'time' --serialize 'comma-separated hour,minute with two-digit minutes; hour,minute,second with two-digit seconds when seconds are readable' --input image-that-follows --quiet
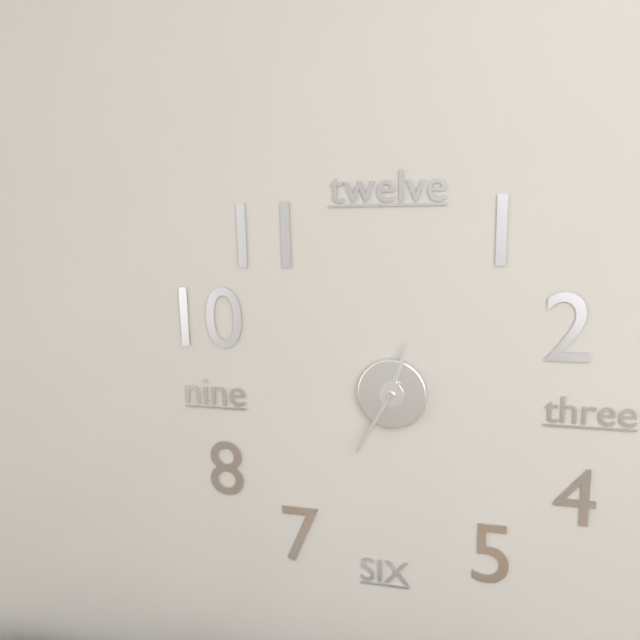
12,35
